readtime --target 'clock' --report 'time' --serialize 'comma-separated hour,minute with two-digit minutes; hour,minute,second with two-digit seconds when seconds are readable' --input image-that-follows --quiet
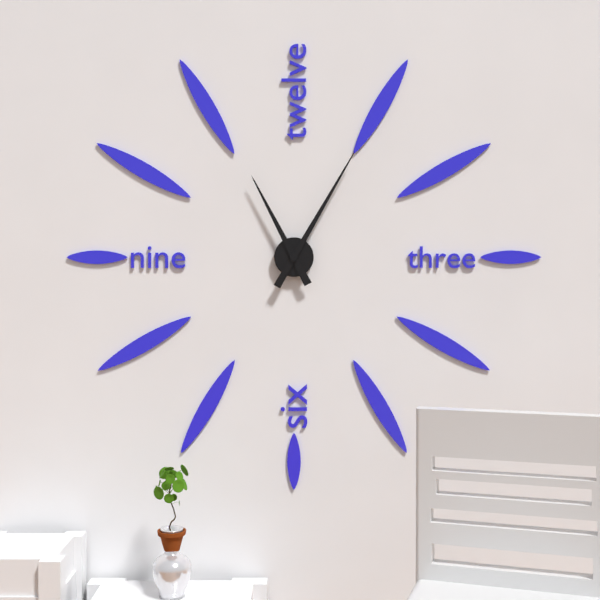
11,05
